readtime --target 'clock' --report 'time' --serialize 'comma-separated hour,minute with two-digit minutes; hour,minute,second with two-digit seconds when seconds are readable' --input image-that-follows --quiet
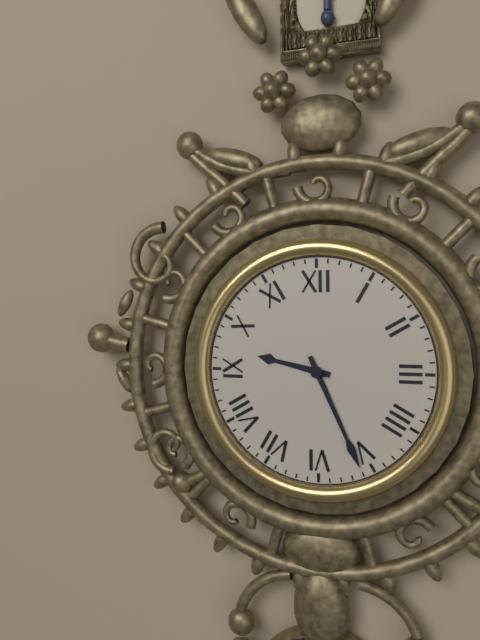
9,26
